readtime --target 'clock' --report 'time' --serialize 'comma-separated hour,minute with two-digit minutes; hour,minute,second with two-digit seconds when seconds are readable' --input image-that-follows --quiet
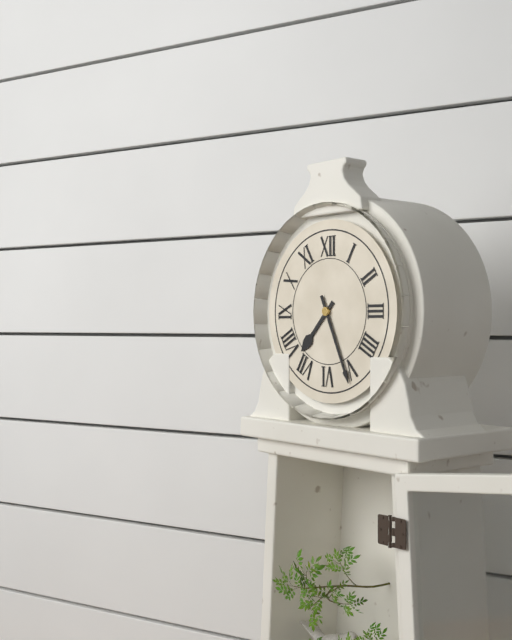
7,26
